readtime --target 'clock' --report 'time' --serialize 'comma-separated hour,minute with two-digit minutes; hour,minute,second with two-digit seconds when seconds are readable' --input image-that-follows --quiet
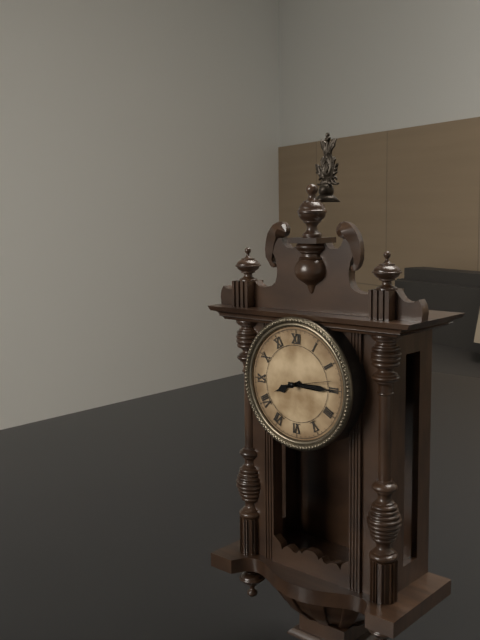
8,15,13
